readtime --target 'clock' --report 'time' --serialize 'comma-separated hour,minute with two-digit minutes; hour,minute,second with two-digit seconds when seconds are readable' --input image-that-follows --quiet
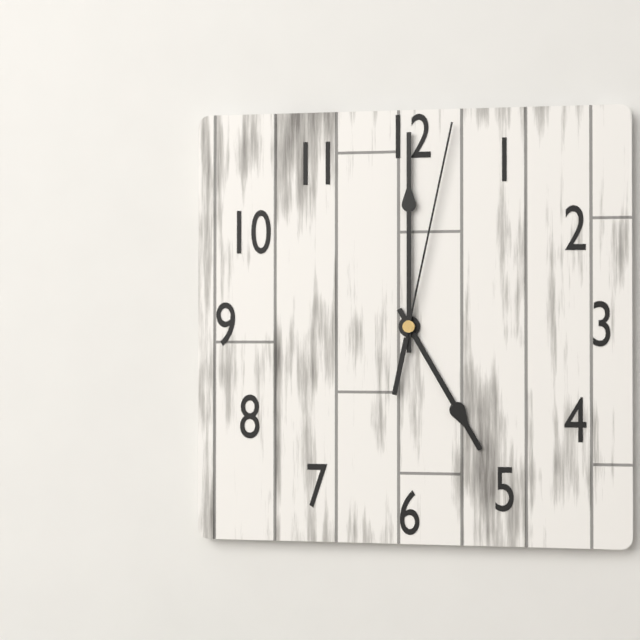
5,00,02
